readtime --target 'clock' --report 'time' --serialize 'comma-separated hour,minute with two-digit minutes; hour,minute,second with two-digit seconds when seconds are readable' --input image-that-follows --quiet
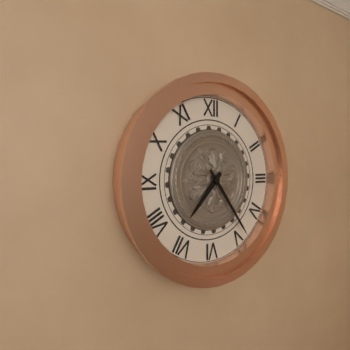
7,24
